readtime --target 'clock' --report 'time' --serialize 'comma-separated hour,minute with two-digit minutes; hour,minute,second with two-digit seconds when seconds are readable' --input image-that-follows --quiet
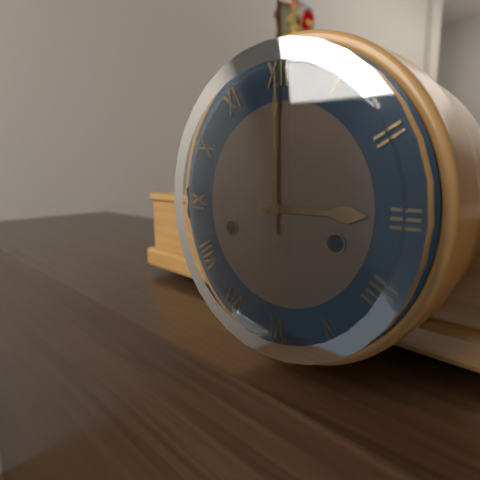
3,00
